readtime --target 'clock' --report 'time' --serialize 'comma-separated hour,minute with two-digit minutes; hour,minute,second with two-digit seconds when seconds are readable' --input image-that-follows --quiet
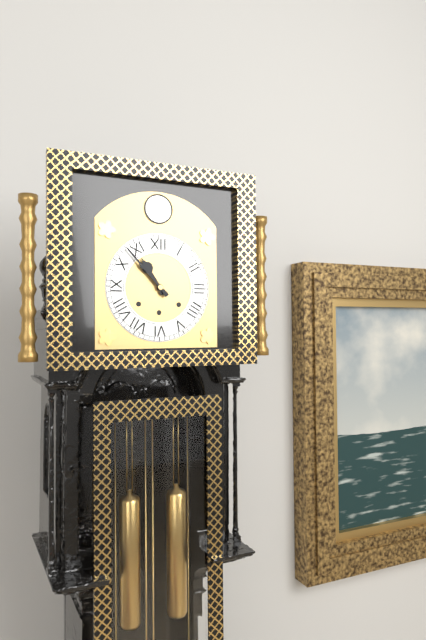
10,53
